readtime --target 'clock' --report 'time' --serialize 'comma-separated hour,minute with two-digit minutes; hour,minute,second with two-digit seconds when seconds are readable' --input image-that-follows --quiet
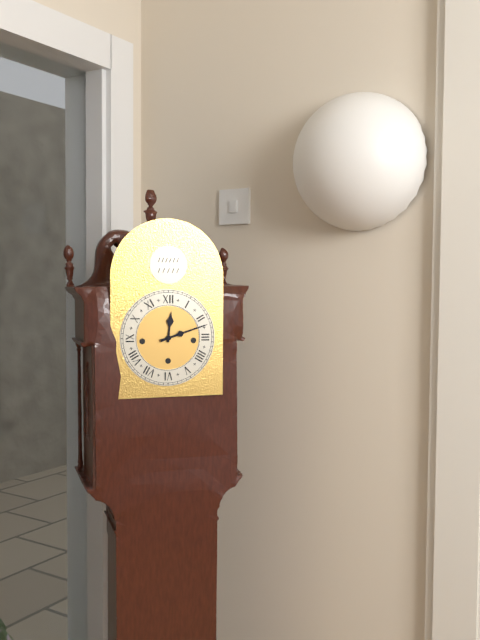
12,12
